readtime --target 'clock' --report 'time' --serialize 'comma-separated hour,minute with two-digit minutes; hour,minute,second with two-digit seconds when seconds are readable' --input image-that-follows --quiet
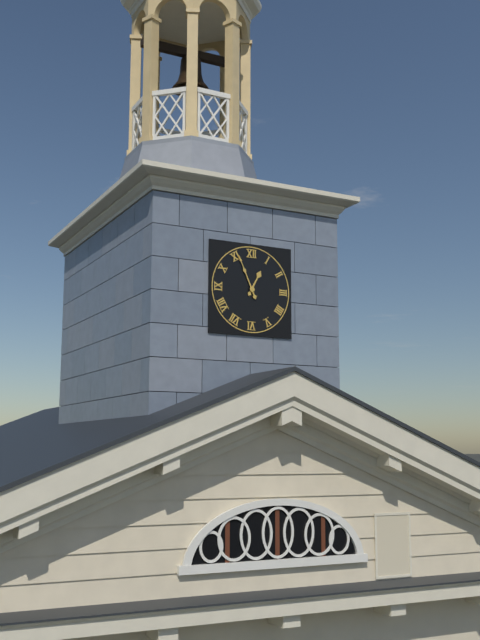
12,56
